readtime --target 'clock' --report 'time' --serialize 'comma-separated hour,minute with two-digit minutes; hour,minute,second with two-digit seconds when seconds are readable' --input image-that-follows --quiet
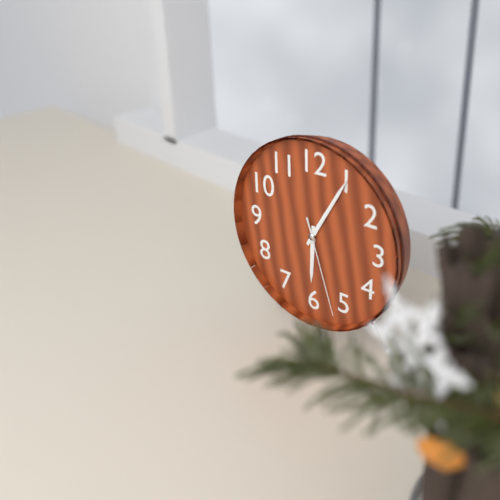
6,05,27
